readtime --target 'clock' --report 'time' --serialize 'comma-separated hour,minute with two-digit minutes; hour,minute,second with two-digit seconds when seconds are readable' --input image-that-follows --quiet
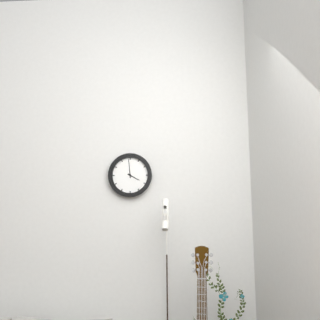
3,59
